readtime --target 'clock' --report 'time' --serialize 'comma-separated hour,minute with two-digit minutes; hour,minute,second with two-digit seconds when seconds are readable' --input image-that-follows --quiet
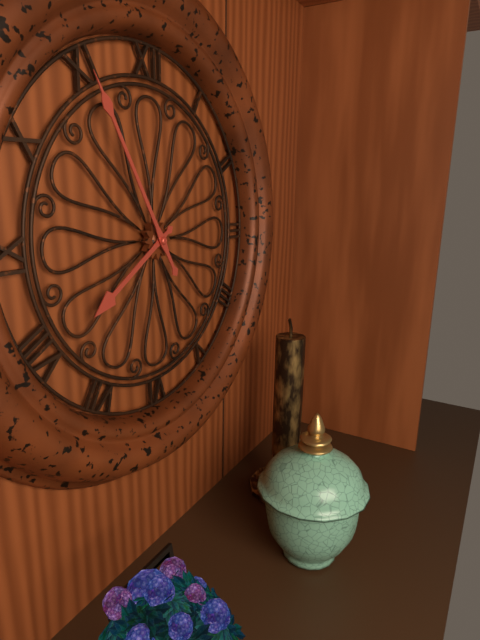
7,55
